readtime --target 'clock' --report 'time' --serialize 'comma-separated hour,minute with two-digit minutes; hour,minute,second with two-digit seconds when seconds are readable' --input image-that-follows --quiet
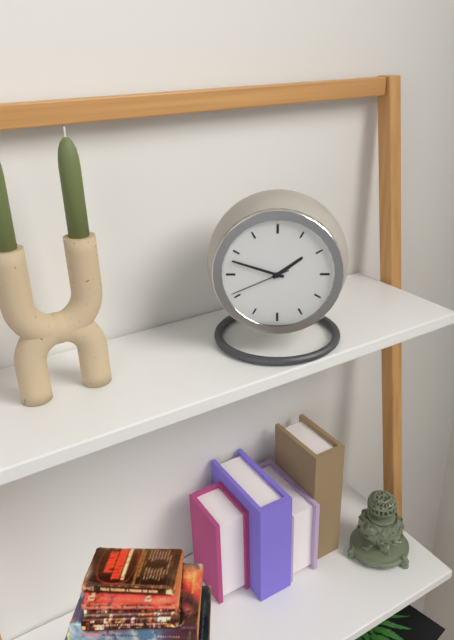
1,48,41
